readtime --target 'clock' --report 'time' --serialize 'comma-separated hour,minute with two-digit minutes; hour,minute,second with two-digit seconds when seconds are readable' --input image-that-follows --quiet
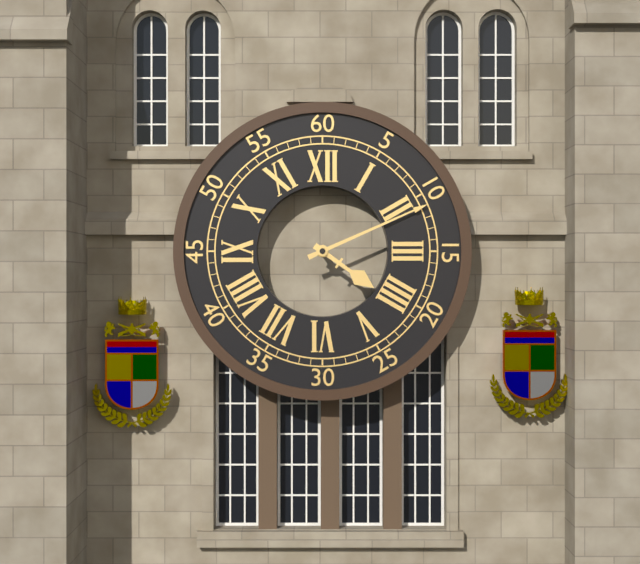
4,11
